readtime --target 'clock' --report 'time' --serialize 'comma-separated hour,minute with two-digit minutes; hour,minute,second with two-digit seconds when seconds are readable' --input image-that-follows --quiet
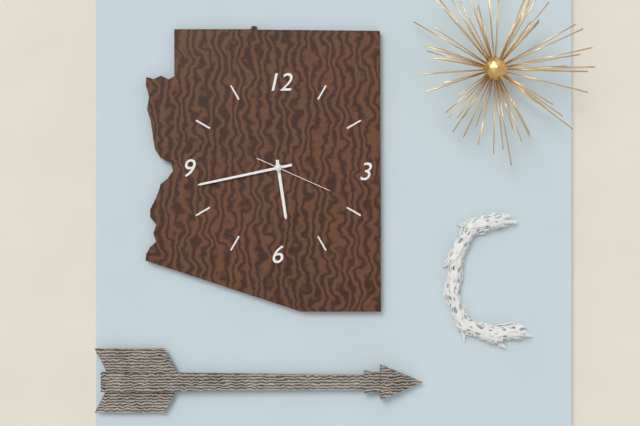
5,43,19
